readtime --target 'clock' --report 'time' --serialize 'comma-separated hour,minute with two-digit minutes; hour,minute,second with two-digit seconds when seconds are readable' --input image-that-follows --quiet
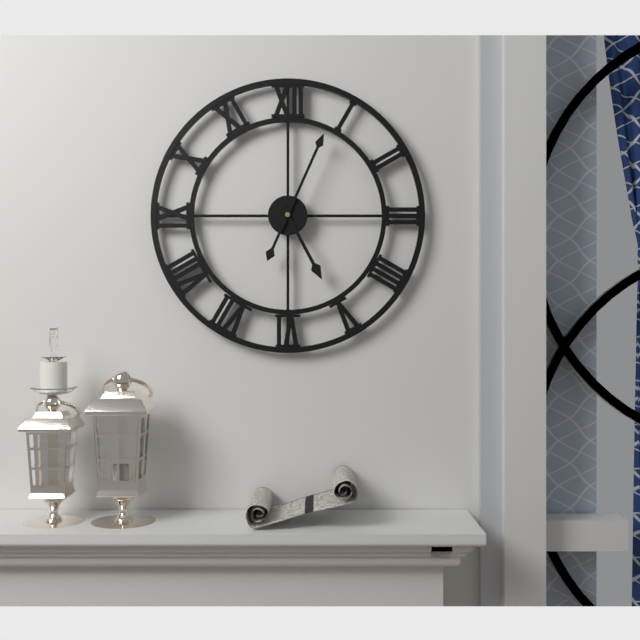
5,04
